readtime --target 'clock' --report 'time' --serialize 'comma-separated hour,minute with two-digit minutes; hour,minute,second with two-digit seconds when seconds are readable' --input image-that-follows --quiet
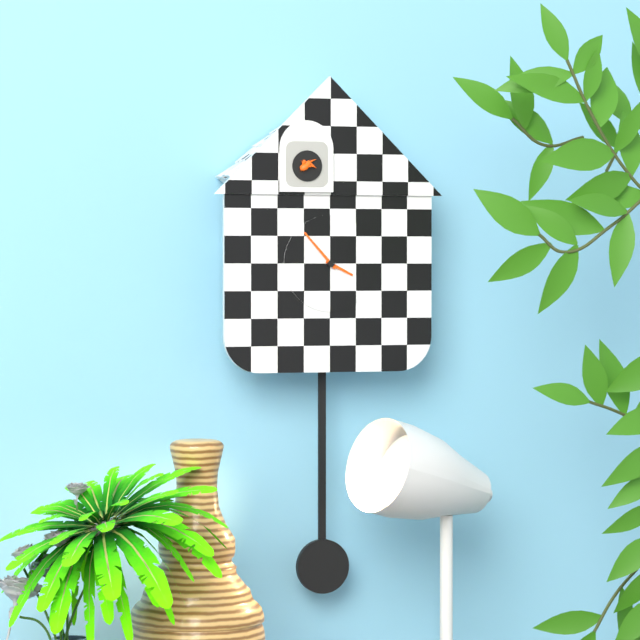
3,53
